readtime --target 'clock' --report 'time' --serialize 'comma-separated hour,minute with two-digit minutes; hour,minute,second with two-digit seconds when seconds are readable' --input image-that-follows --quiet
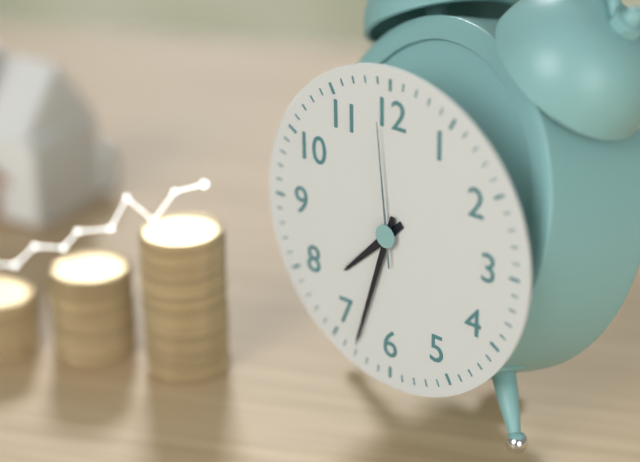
7,33,59
